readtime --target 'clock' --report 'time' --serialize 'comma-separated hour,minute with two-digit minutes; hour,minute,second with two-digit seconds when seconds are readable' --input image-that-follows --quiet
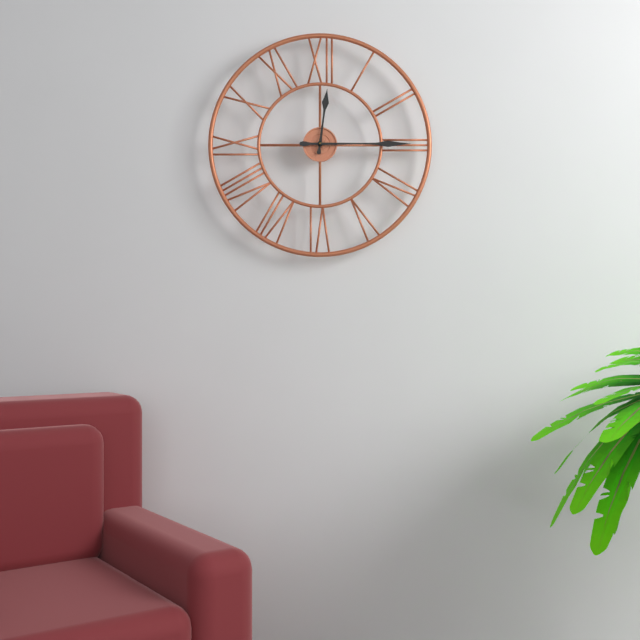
12,15
